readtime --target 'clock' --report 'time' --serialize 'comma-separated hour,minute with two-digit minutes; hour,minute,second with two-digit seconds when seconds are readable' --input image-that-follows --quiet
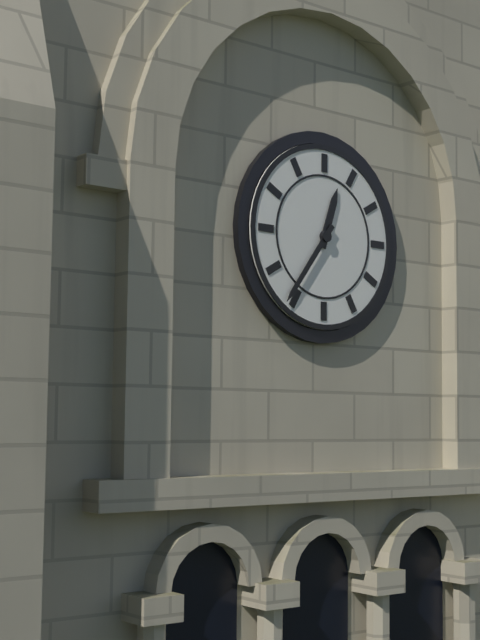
12,36
